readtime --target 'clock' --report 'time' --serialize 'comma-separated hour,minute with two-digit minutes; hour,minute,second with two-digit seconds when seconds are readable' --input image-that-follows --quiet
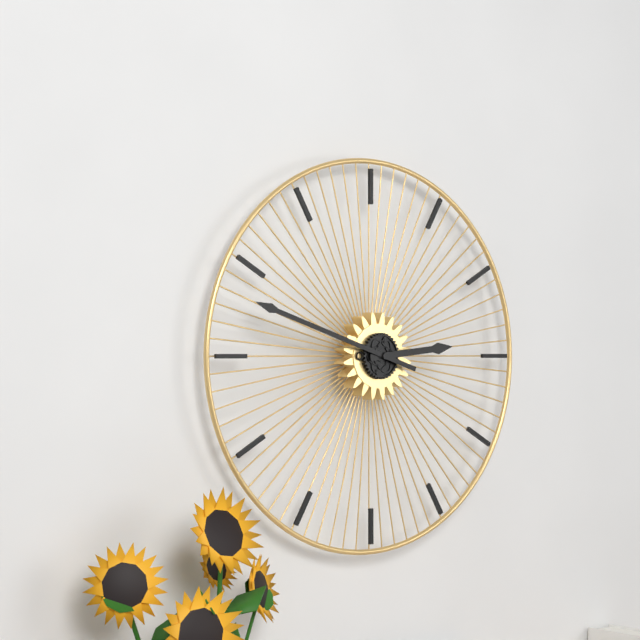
2,48
